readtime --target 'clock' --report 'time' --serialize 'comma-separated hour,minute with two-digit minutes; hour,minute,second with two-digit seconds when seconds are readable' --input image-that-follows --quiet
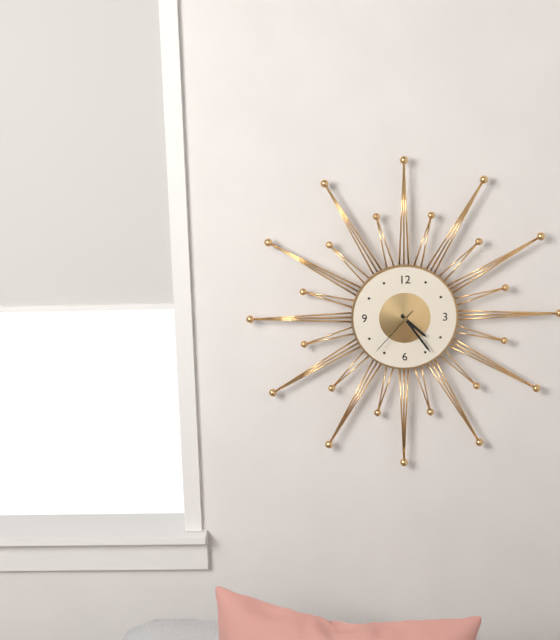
4,24,37
